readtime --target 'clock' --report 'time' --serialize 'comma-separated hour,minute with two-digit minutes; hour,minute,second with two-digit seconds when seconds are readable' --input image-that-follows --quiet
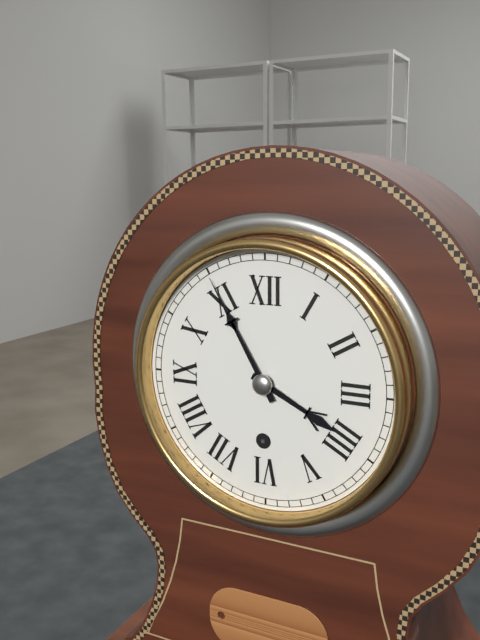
3,55
